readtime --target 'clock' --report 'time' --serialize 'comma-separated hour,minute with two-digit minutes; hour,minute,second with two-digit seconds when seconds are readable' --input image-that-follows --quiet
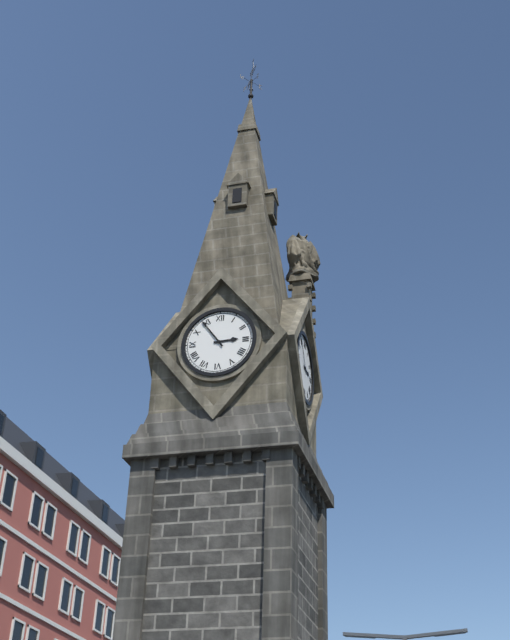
2,54
